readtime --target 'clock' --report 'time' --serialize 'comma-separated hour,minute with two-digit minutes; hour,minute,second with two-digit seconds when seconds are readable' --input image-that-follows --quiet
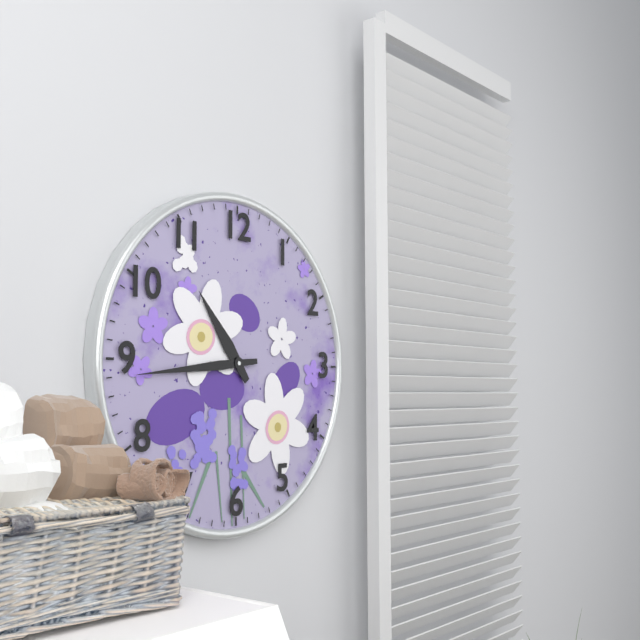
10,44
